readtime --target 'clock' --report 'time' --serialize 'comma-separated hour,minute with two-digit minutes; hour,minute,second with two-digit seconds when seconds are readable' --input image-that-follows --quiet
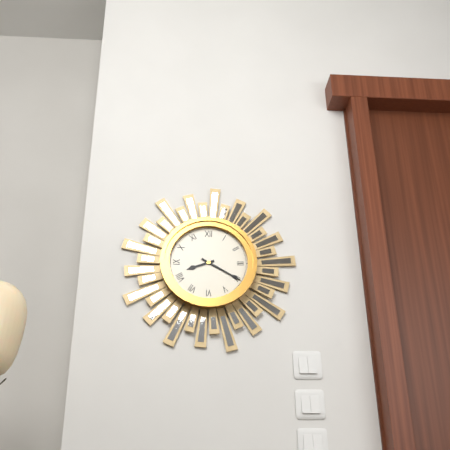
8,20
